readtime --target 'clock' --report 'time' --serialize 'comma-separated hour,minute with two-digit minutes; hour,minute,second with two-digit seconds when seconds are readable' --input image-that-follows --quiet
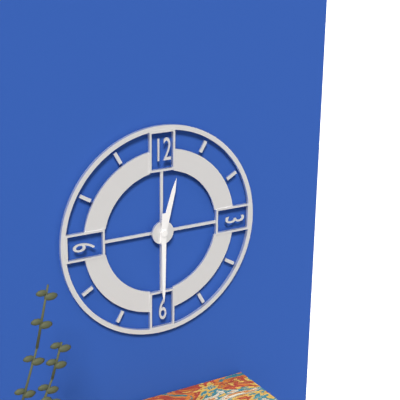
12,30
